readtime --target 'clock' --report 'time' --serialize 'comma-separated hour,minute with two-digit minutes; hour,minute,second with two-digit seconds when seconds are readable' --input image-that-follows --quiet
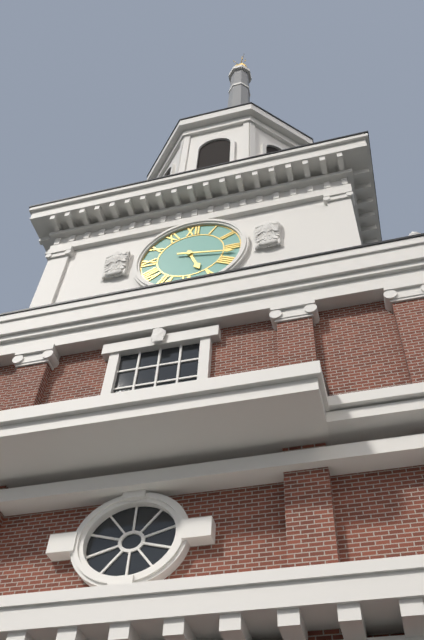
5,17
